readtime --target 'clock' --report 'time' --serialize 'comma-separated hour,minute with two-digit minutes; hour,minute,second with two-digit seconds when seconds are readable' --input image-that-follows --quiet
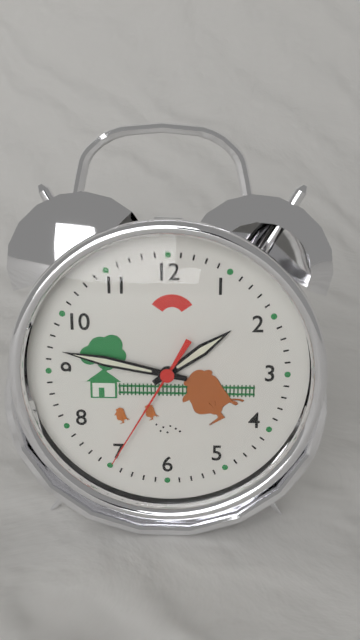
1,47,35
